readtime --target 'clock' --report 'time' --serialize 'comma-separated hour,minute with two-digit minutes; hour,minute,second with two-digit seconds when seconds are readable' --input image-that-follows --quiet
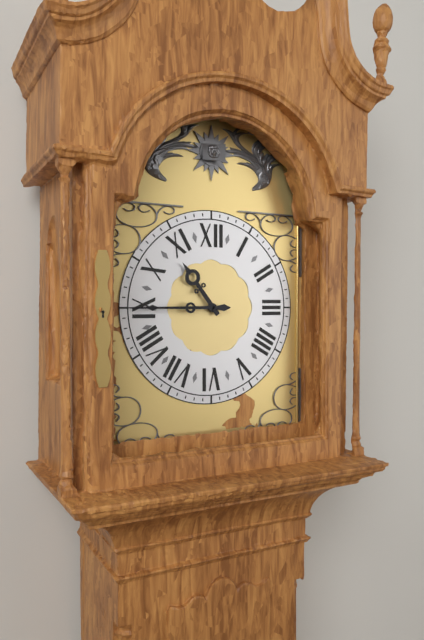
10,45
